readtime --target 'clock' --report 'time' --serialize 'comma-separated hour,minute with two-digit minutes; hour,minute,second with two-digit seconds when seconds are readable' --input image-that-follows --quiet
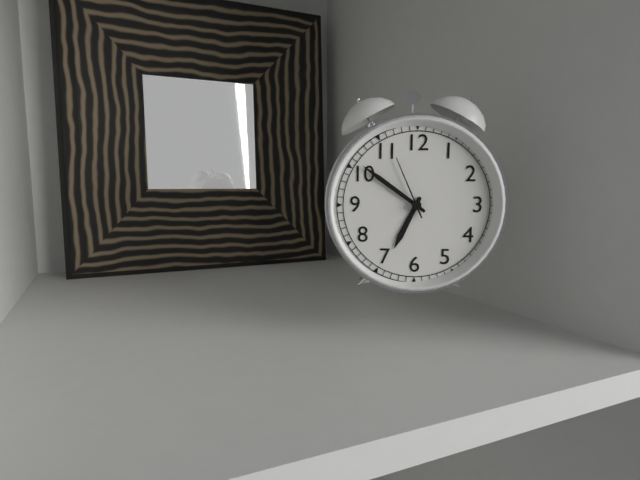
6,51,56
